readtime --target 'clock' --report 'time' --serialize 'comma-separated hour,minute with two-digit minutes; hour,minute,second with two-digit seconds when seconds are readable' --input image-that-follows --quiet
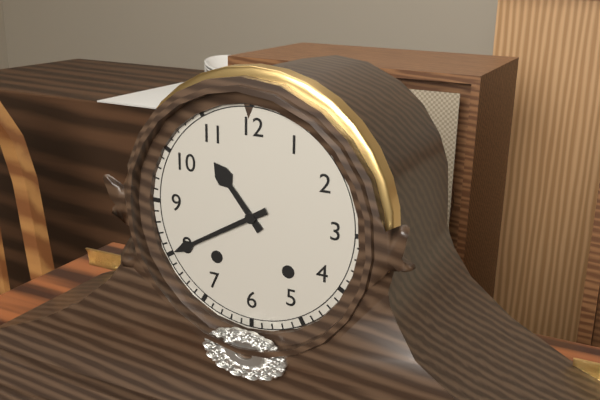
10,40
